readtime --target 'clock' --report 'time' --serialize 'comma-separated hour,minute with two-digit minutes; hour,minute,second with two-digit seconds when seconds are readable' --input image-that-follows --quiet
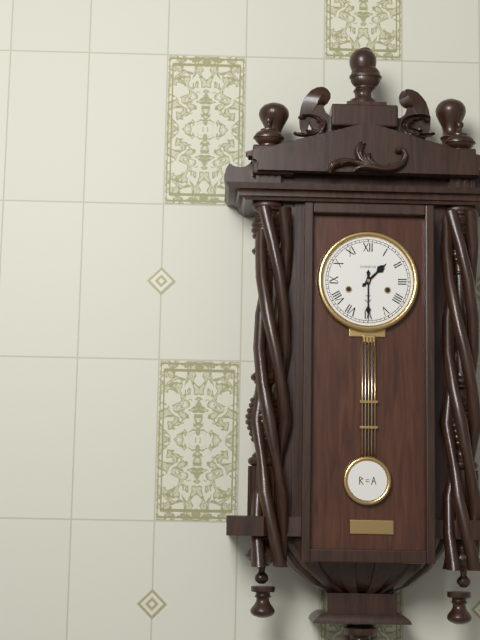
1,30
